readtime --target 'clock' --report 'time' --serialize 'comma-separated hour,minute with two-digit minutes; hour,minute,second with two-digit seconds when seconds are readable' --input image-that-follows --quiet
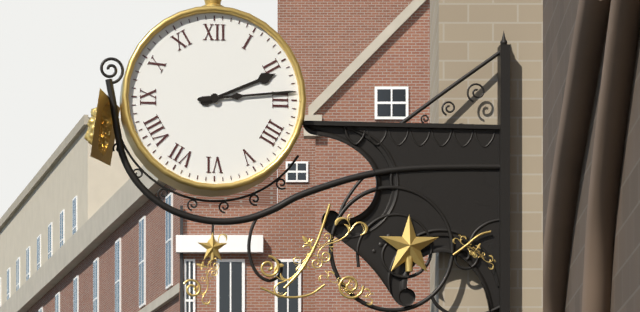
2,14
